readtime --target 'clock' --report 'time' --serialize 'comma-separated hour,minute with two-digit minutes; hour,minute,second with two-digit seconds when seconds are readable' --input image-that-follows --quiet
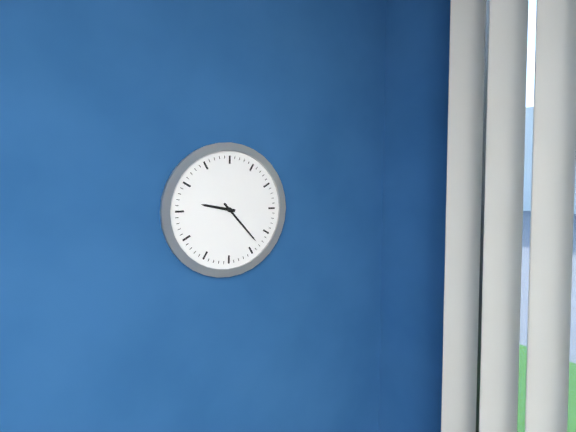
9,23
